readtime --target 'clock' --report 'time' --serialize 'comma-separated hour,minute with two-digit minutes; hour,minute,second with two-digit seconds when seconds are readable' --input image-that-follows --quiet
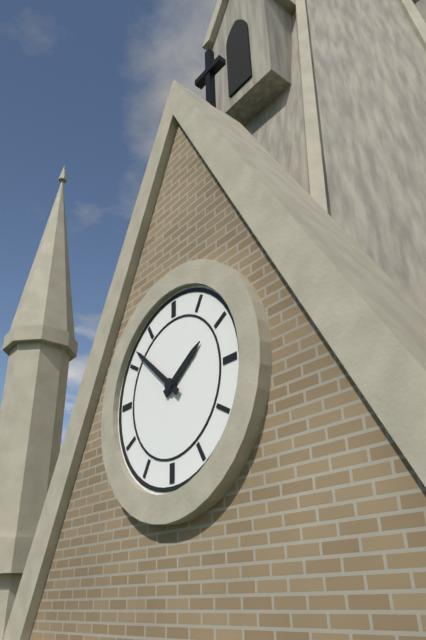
1,52
